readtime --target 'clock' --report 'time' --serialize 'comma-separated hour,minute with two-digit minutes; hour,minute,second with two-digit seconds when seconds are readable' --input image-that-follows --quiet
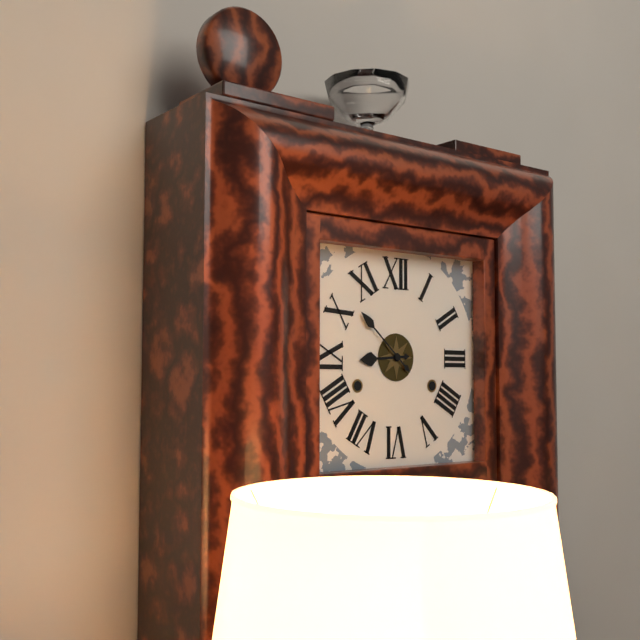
8,52
